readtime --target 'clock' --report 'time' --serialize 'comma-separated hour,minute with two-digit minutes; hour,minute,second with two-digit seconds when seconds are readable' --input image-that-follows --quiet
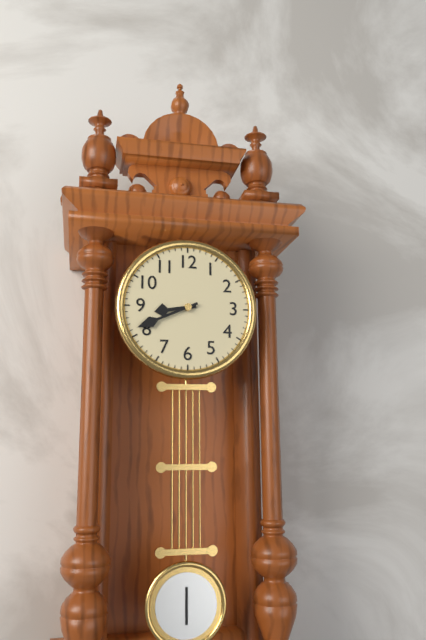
8,41
